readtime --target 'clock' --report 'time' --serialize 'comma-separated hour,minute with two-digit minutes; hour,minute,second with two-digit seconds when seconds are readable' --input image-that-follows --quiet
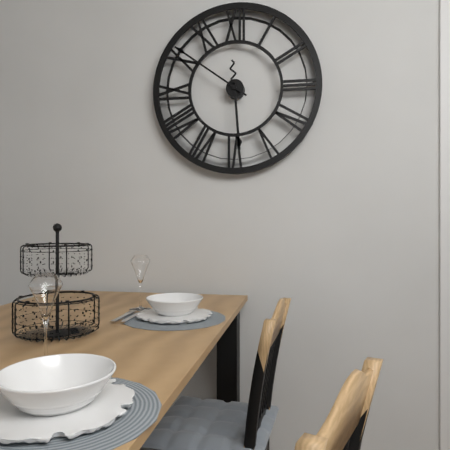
5,51
